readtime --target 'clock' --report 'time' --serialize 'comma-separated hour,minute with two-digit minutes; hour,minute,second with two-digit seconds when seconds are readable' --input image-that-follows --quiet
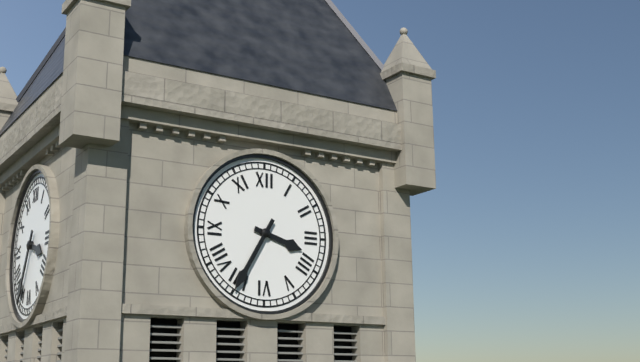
3,35
